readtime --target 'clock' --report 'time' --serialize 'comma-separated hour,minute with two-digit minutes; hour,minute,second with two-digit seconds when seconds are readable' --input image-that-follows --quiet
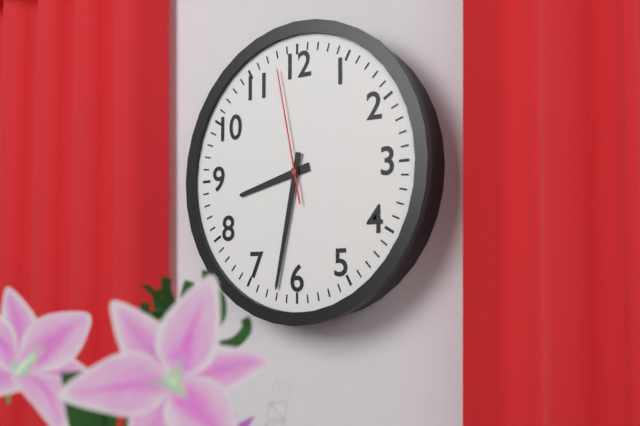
8,32,58
